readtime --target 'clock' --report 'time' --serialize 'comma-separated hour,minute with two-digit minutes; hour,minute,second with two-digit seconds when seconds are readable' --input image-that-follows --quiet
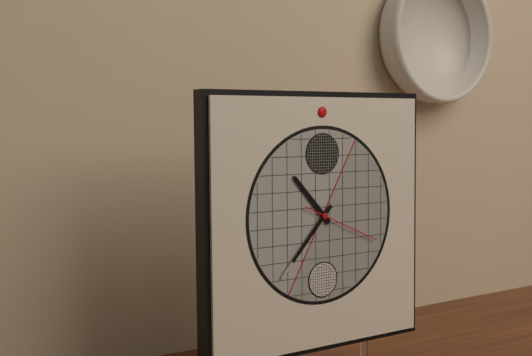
10,37,19
